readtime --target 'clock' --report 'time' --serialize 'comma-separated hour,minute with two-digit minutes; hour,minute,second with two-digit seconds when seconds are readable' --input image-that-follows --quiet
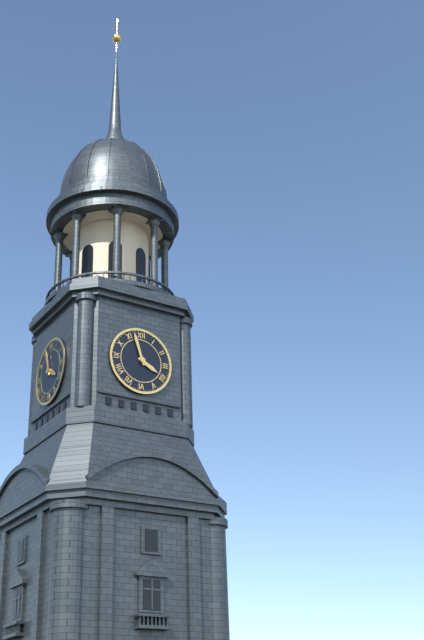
3,57
